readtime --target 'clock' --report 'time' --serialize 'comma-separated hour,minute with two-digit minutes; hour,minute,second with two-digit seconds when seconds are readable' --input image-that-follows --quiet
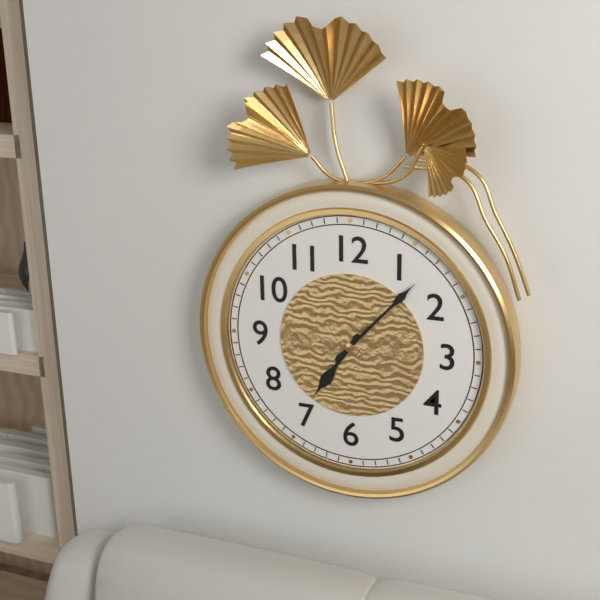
7,07
